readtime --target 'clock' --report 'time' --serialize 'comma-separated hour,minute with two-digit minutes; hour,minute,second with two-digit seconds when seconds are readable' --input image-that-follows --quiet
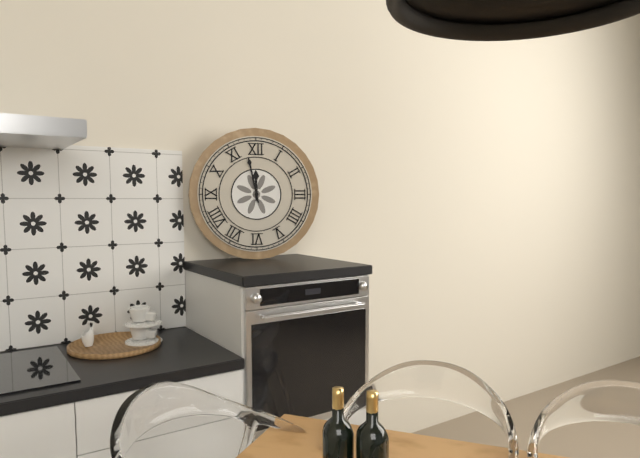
11,58
